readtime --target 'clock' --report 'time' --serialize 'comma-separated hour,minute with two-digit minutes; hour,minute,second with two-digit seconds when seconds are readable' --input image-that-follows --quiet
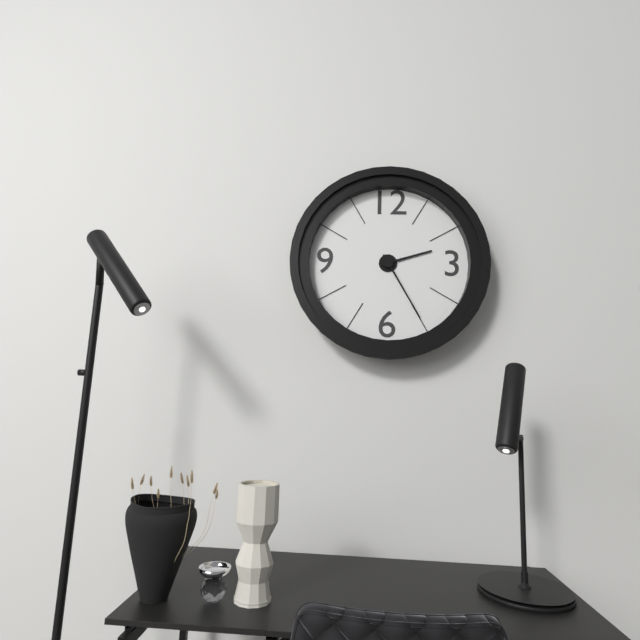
2,25
